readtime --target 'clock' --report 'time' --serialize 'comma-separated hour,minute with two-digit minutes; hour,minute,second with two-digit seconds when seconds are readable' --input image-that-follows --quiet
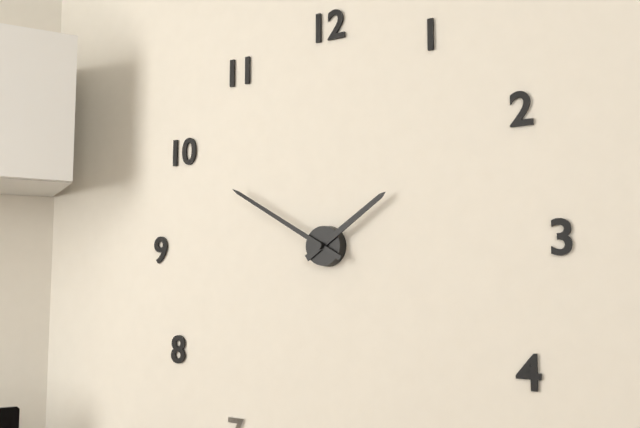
1,50
